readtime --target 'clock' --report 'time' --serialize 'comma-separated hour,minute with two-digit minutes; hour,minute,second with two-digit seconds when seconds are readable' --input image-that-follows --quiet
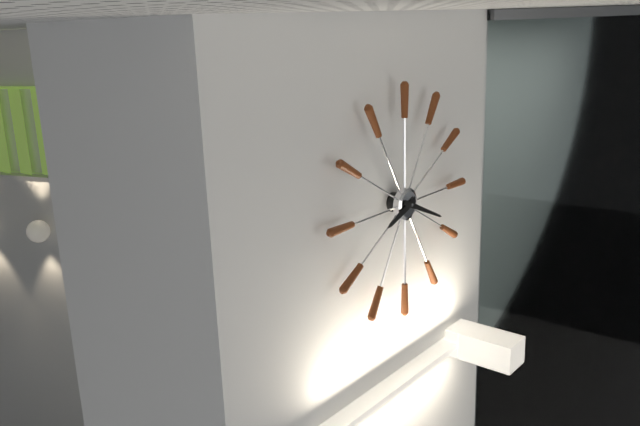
8,19
